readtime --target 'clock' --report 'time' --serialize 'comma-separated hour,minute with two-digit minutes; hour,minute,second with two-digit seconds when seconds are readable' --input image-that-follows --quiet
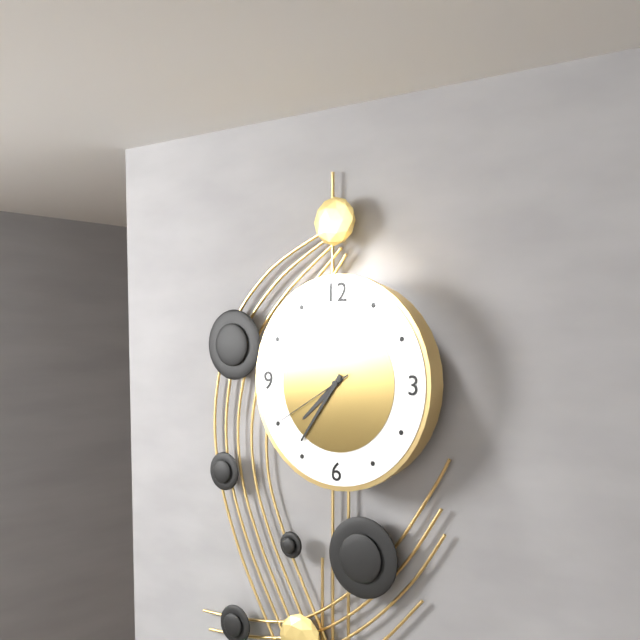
7,36,40
